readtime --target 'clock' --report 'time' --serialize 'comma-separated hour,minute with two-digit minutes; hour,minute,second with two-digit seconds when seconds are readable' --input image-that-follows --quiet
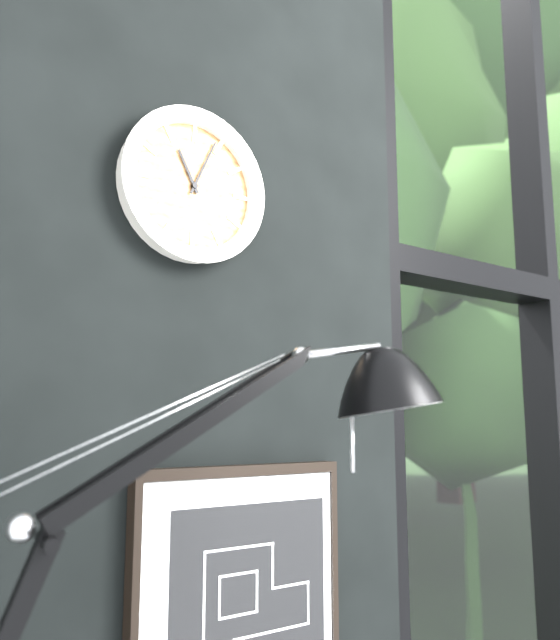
11,04
